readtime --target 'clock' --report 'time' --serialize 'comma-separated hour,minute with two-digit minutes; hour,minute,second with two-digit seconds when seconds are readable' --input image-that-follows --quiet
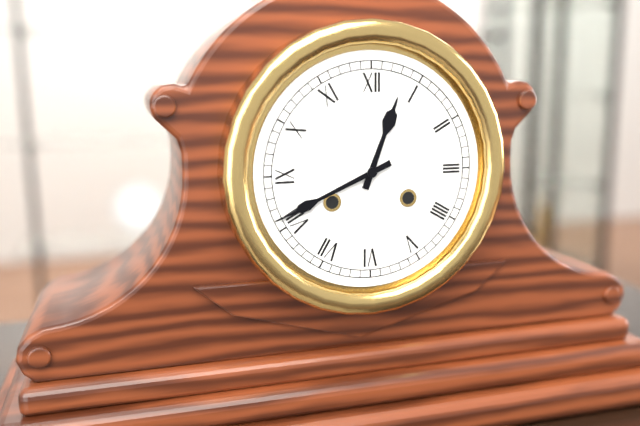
12,41
